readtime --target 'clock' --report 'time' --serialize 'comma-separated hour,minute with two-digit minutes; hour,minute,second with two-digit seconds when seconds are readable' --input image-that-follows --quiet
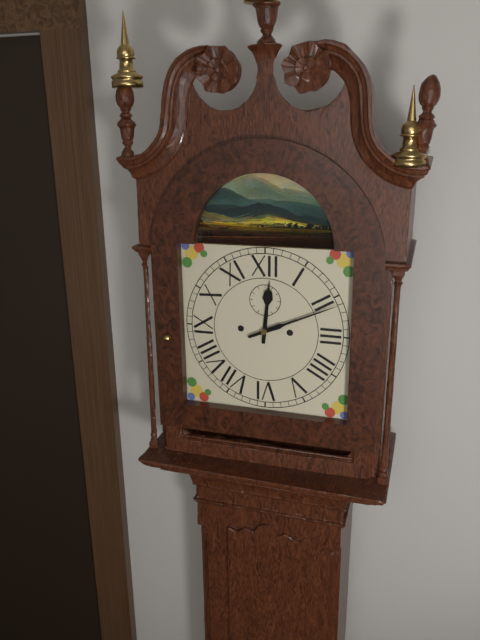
12,11
